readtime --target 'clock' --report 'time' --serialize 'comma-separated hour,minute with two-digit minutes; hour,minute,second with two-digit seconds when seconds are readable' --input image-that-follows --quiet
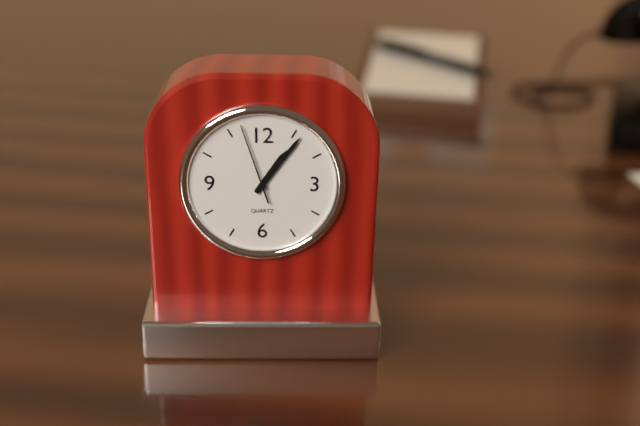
1,06,57
